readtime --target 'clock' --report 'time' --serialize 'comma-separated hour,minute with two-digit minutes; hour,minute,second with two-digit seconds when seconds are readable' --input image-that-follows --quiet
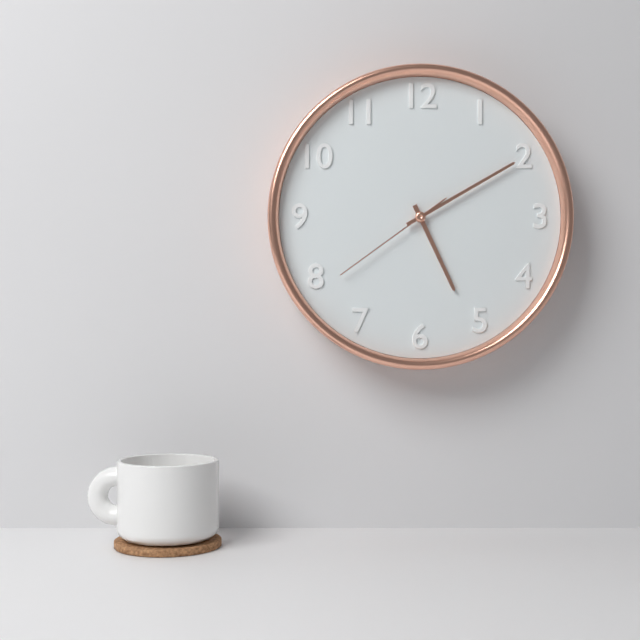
5,10,39
